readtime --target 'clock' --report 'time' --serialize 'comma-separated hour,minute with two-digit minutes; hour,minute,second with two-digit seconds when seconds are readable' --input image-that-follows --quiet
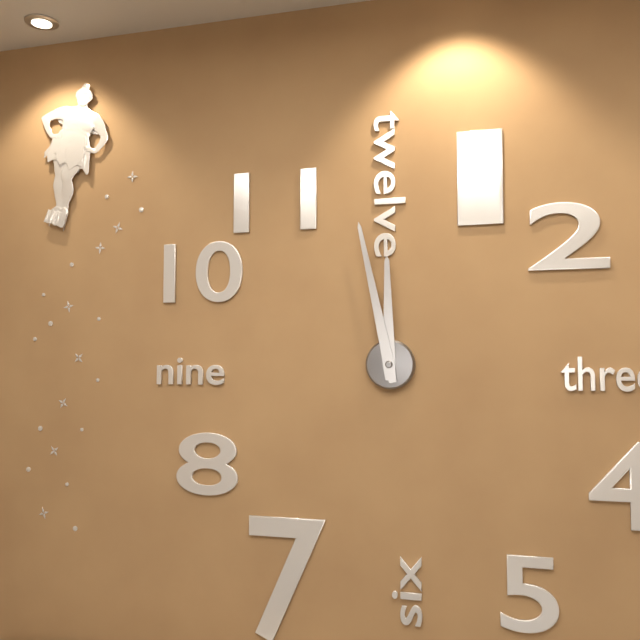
11,58
